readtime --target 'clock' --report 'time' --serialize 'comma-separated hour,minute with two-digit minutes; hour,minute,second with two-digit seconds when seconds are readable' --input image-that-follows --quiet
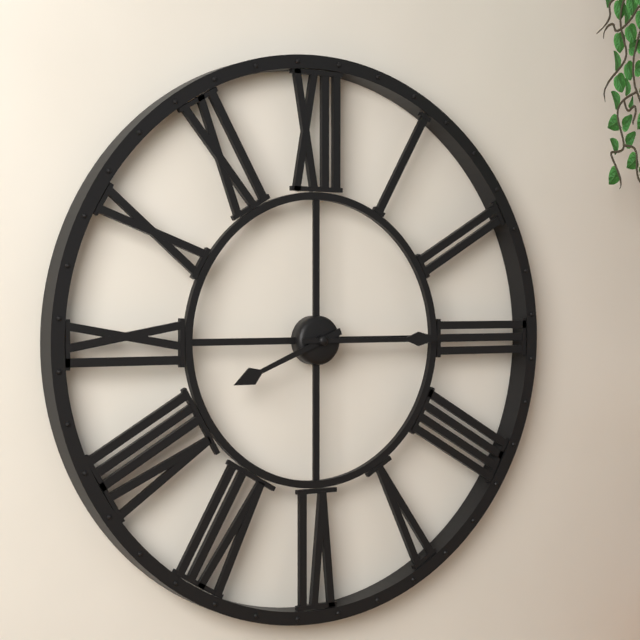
8,15
